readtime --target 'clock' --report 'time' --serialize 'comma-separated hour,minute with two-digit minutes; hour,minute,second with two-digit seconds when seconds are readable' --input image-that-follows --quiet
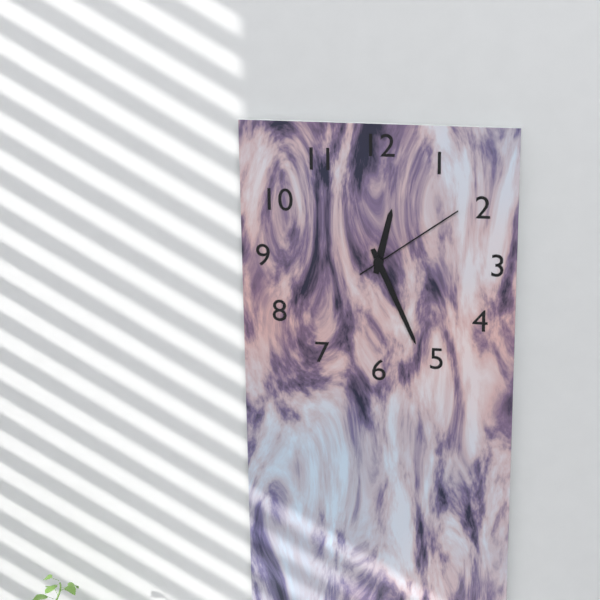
12,26,09
